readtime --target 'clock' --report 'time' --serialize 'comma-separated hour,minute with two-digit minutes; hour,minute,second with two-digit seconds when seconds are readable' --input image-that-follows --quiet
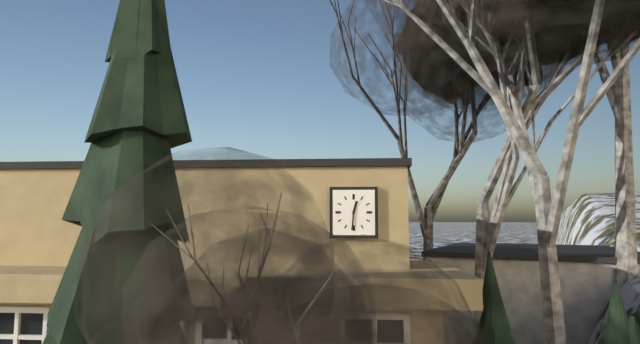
12,31
